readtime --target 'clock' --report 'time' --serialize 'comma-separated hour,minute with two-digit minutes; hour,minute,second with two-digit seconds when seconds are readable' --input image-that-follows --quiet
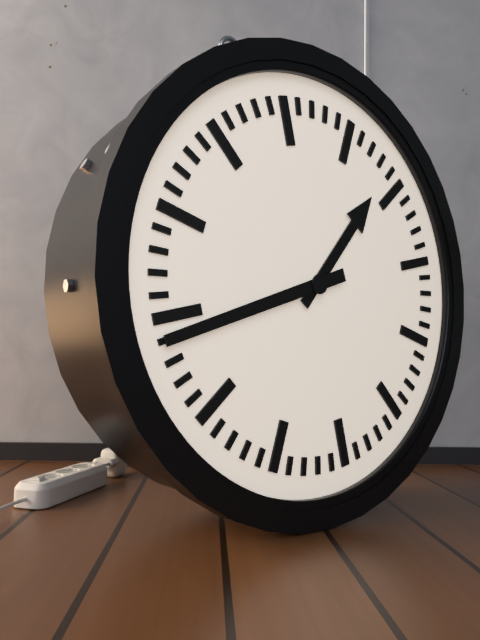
1,44
